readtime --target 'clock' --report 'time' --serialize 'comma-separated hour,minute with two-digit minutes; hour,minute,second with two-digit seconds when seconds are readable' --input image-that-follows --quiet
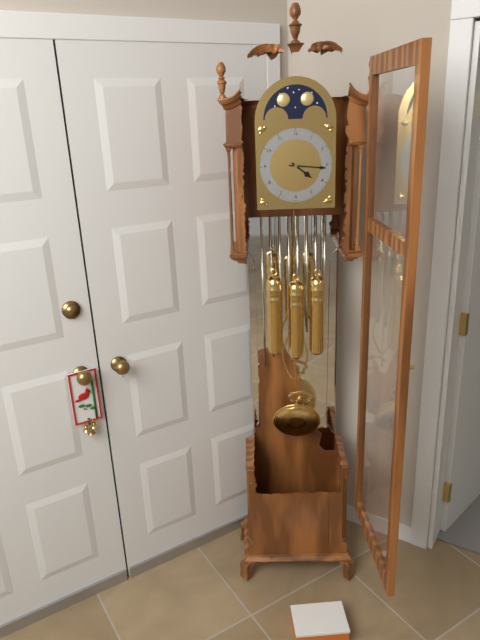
4,16
